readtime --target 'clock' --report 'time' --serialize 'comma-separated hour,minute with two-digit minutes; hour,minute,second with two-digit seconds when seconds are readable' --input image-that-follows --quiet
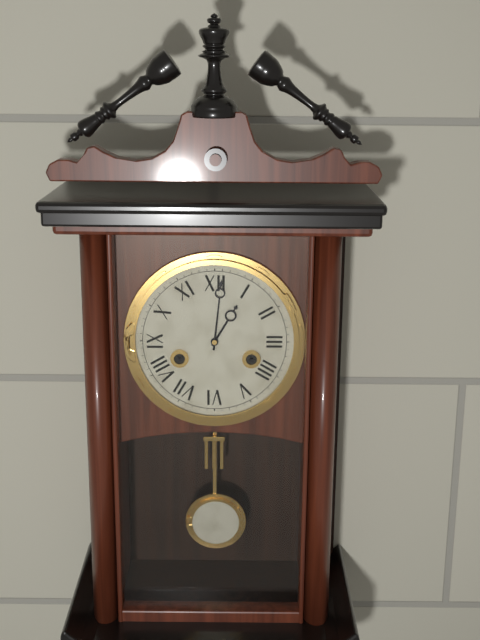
1,01
